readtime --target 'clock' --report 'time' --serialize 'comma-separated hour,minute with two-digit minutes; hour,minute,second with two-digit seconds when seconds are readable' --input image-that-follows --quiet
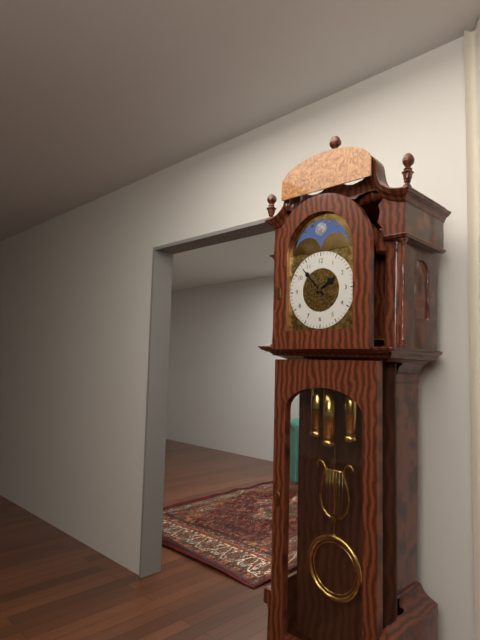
1,53
